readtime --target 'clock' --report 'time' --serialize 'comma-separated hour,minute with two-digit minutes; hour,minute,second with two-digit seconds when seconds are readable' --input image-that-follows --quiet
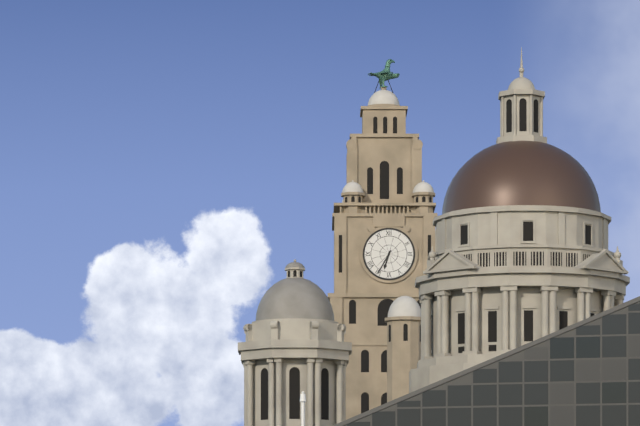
6,35
